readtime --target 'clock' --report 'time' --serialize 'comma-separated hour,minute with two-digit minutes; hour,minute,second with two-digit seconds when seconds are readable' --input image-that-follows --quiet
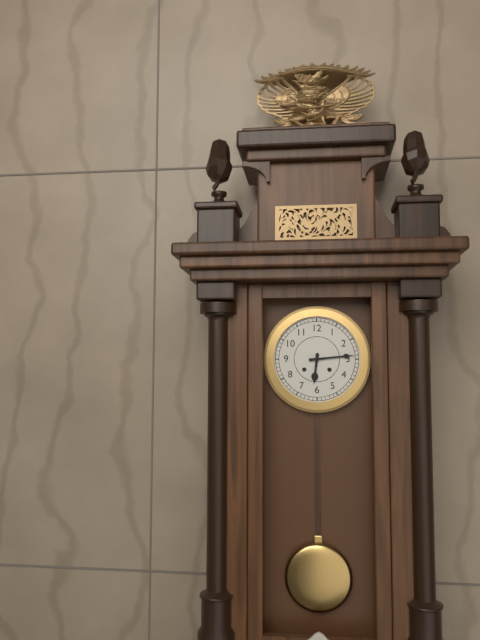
6,14
